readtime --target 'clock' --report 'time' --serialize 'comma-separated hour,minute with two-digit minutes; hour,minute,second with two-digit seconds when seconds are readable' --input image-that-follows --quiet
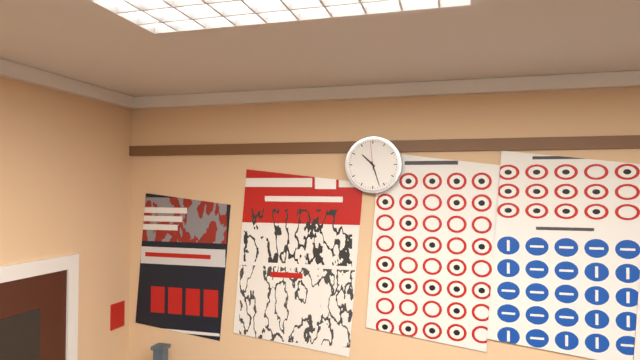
10,27
